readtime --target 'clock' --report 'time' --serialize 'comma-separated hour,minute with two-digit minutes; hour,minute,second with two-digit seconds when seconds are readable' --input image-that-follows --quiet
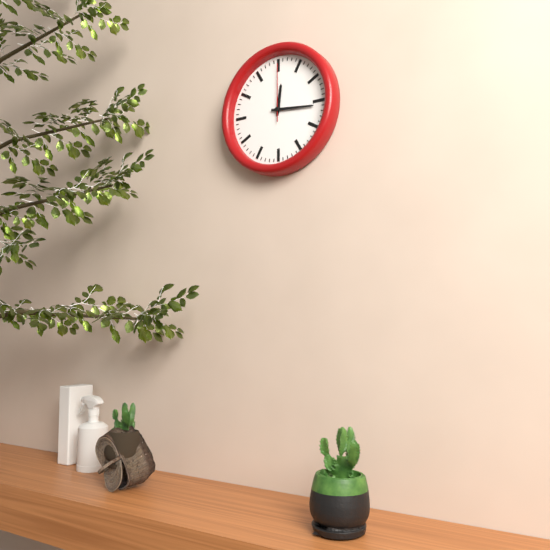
12,16,00
